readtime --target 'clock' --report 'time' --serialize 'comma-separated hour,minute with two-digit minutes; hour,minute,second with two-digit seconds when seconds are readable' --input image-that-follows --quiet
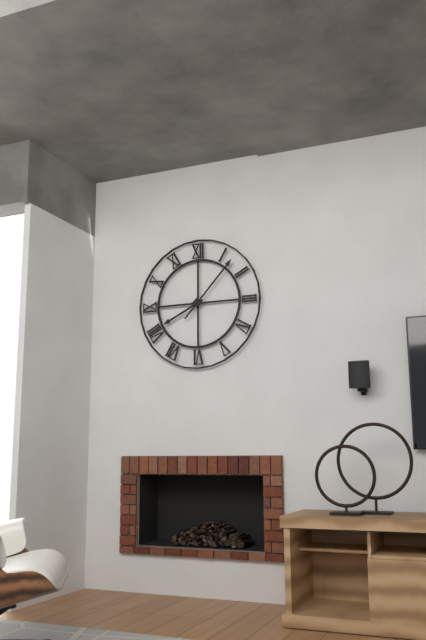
8,07
